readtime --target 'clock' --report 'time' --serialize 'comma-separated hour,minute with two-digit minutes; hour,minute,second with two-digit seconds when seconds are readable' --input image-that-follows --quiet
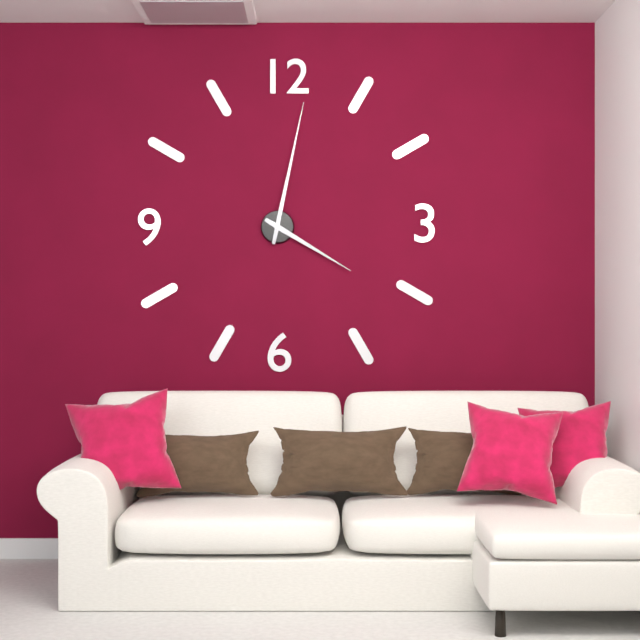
4,02
